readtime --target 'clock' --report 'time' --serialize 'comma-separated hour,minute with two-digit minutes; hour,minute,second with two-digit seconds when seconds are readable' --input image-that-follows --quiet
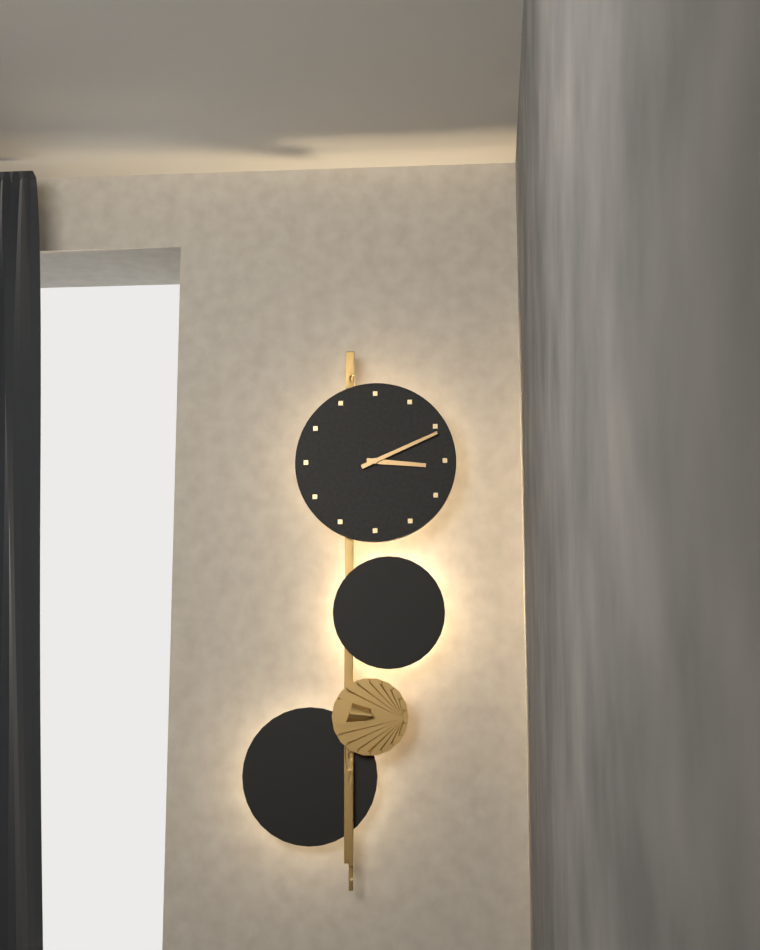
3,11
